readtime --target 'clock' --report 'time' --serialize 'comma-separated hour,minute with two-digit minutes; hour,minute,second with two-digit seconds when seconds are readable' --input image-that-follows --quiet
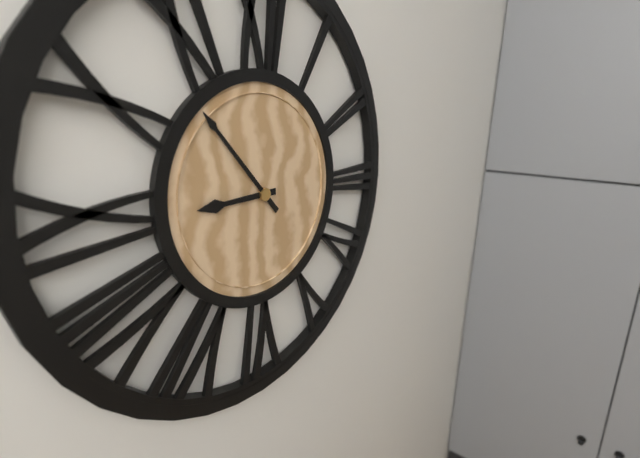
8,53
